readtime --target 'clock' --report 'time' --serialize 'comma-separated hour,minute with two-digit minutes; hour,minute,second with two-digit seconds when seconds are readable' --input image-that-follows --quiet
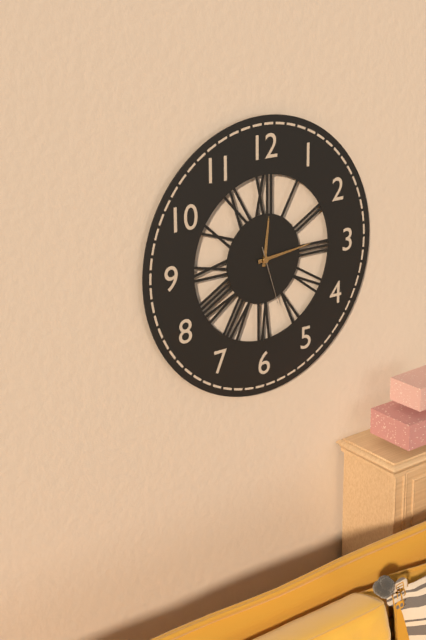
12,14,27
